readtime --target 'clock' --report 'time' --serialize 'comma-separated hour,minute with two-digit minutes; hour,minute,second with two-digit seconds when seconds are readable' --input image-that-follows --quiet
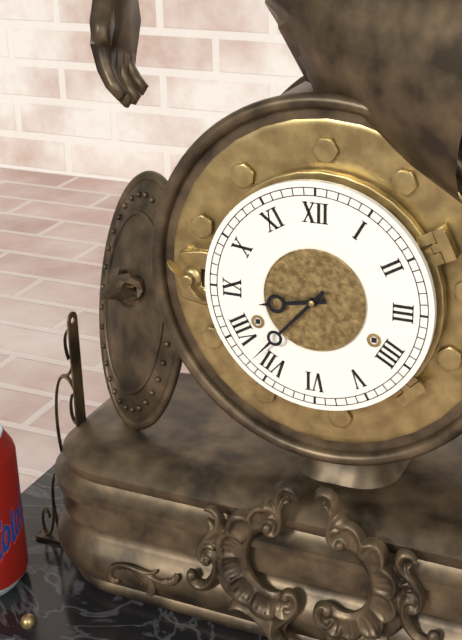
8,37
